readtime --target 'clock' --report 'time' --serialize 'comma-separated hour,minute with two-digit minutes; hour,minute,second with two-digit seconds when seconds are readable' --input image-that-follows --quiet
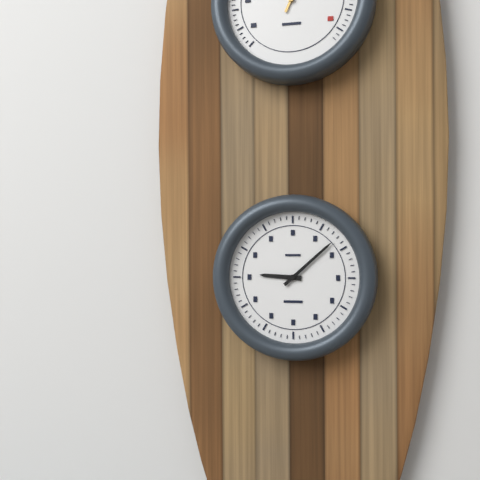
9,08
